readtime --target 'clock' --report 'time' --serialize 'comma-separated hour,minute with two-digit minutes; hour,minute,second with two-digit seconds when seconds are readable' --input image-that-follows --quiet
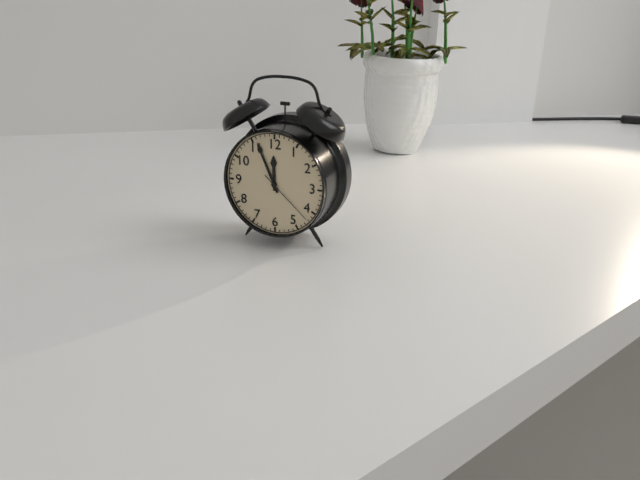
11,56,22
